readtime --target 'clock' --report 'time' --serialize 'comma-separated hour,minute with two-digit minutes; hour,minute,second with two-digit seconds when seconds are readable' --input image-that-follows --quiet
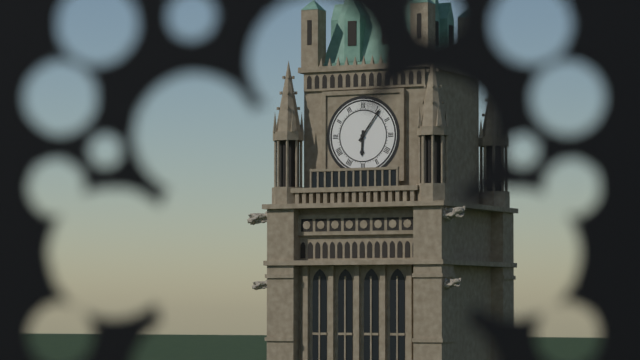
6,06
